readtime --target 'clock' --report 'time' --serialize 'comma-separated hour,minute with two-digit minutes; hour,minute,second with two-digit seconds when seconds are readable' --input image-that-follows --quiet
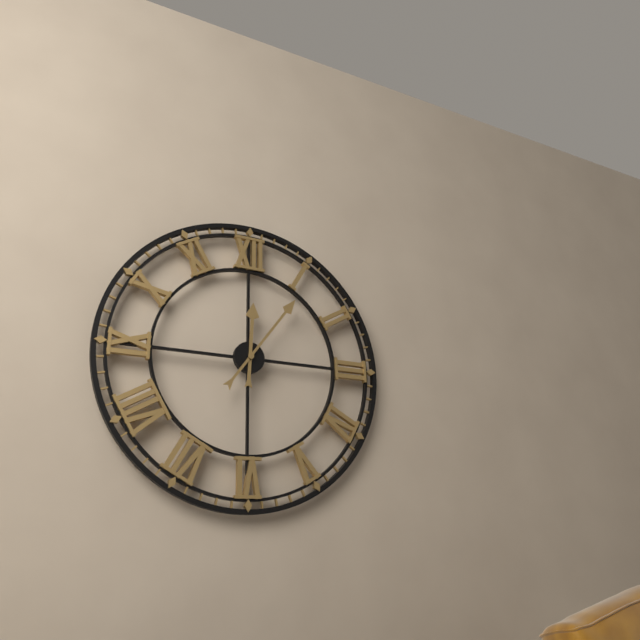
12,06
